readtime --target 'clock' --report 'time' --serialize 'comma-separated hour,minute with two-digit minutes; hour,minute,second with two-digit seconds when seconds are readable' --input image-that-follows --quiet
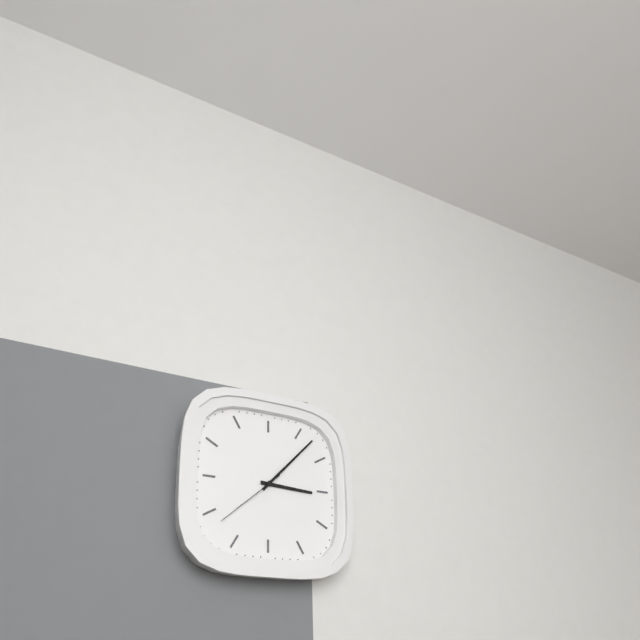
3,07,38
